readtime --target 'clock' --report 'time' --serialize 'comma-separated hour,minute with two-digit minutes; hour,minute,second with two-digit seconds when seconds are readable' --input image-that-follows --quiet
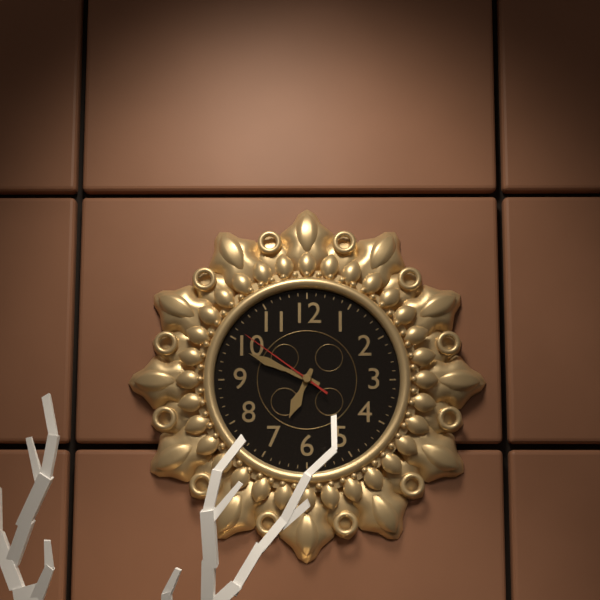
6,49,51
